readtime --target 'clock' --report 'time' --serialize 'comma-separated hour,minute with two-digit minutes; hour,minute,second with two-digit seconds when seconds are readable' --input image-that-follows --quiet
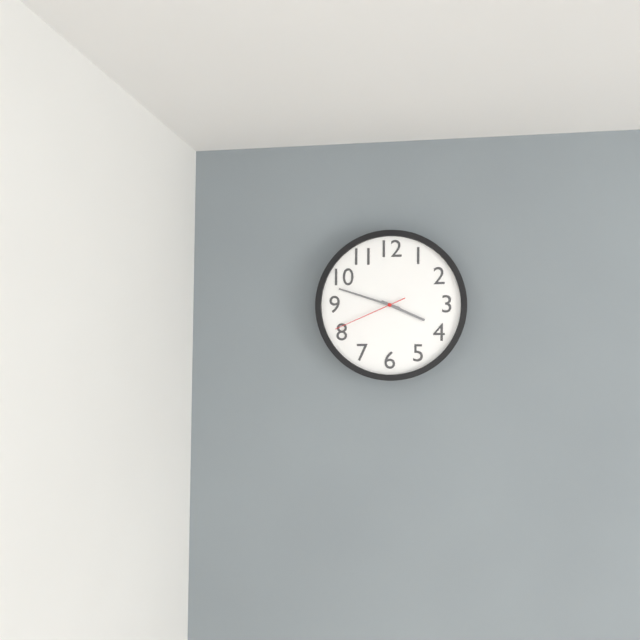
3,48,41
